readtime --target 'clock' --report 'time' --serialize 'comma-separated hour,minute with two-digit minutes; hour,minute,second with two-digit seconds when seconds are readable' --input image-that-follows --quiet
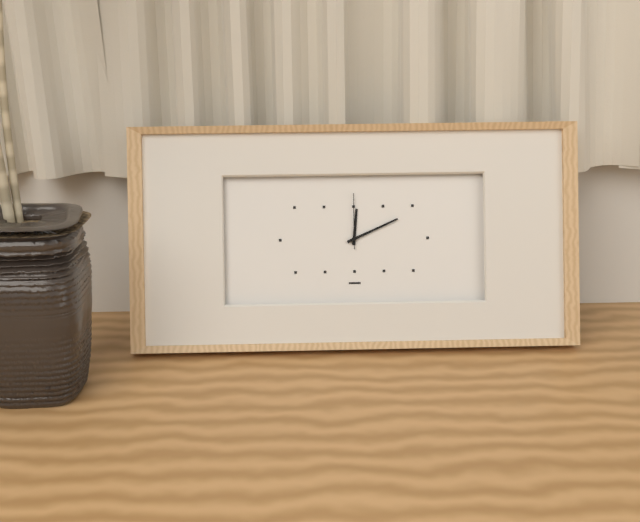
12,11,00
